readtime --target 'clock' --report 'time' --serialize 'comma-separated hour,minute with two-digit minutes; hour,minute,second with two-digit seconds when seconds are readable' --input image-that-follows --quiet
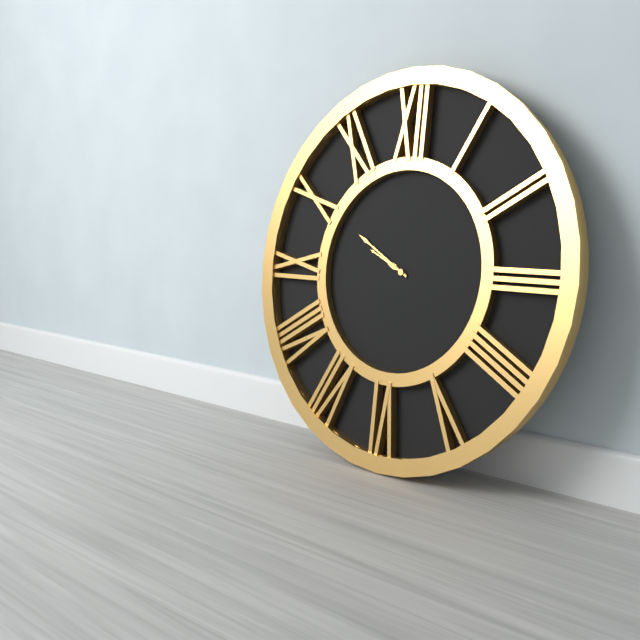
9,50
